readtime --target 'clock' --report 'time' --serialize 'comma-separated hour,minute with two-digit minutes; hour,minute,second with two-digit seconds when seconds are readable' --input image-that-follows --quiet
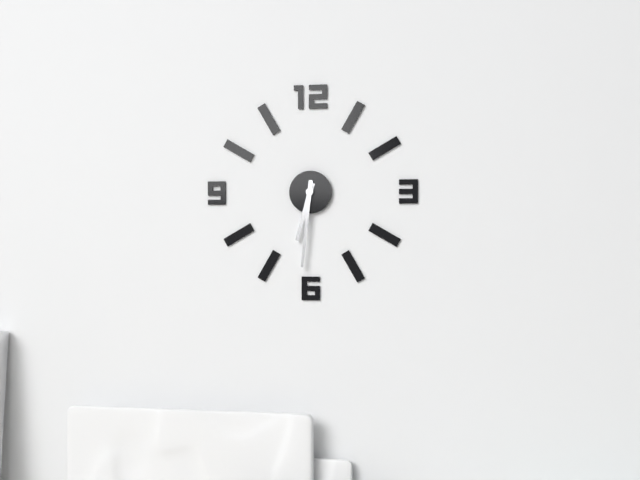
6,31
